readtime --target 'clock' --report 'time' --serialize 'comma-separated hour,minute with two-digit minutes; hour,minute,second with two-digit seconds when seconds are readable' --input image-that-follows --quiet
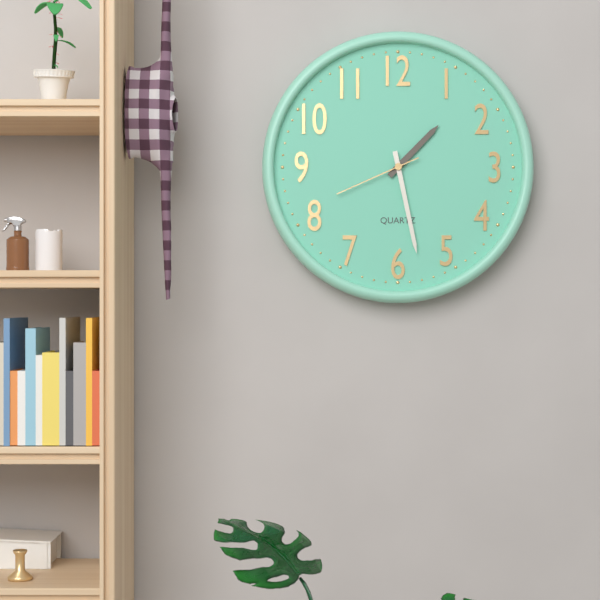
1,28,41
